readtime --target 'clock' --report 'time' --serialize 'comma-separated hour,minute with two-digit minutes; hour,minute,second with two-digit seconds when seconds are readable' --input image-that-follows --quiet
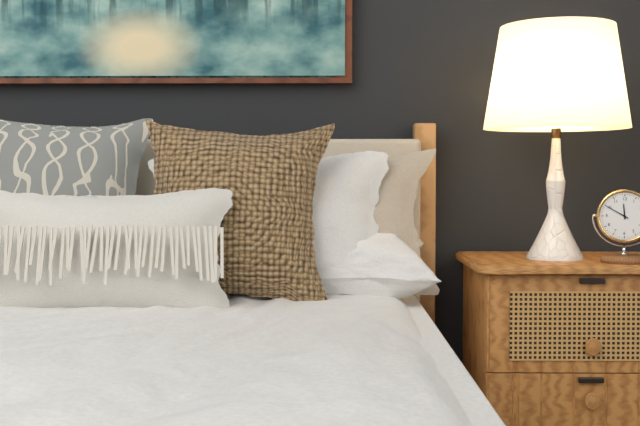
11,50
